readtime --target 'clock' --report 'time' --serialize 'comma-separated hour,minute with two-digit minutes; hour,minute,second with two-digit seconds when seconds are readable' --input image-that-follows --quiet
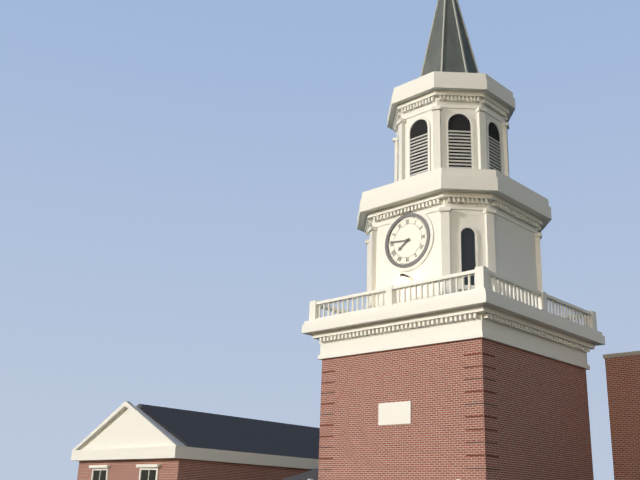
7,46
